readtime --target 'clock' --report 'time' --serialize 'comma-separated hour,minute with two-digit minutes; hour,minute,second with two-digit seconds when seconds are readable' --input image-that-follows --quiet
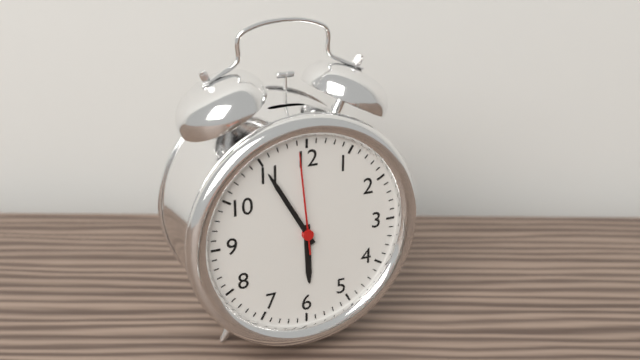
5,55,59
